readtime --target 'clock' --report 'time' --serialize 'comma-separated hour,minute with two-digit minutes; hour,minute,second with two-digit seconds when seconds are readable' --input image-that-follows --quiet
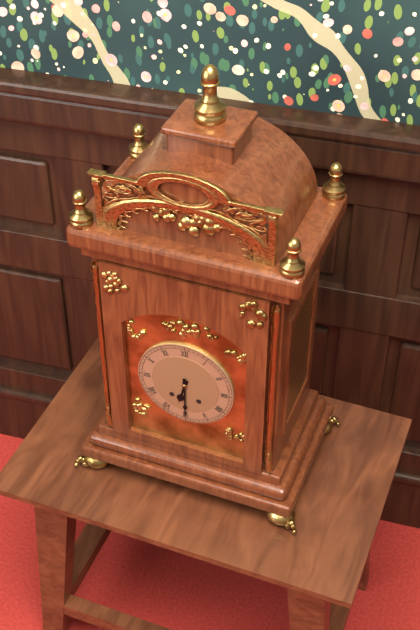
6,30
